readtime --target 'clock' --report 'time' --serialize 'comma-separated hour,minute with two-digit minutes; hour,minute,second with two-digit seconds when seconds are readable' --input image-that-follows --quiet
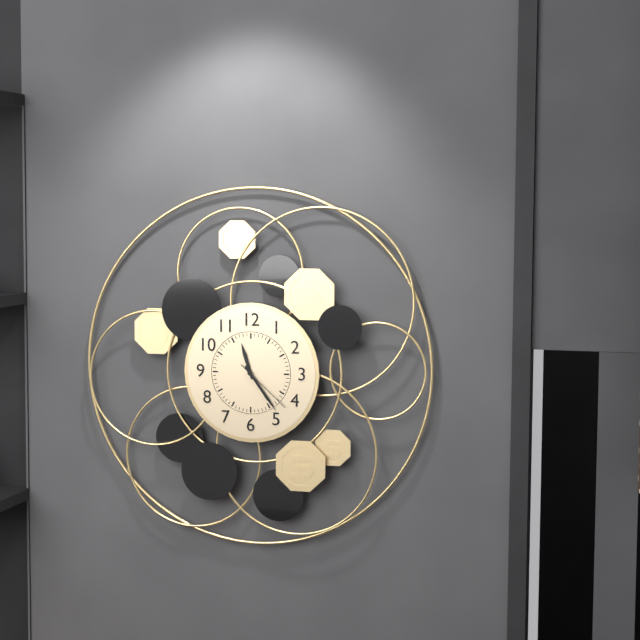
11,24,22
